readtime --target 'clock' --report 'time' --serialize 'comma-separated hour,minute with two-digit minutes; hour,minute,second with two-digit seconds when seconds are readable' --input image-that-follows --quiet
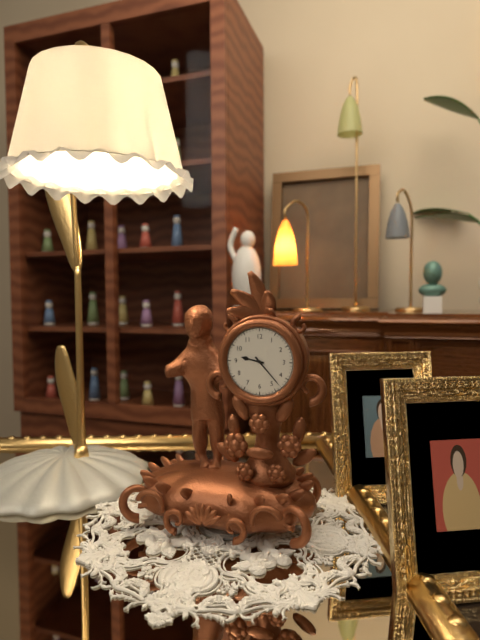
9,23
